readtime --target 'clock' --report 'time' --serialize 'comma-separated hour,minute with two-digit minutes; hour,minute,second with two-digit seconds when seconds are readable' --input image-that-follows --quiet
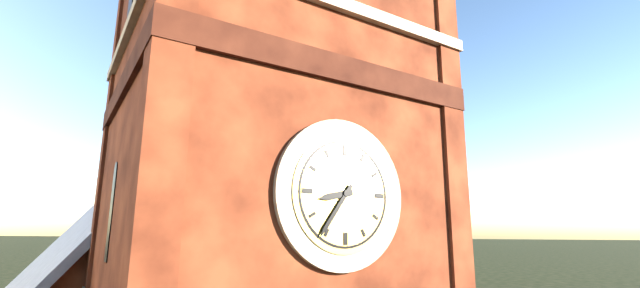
8,36
